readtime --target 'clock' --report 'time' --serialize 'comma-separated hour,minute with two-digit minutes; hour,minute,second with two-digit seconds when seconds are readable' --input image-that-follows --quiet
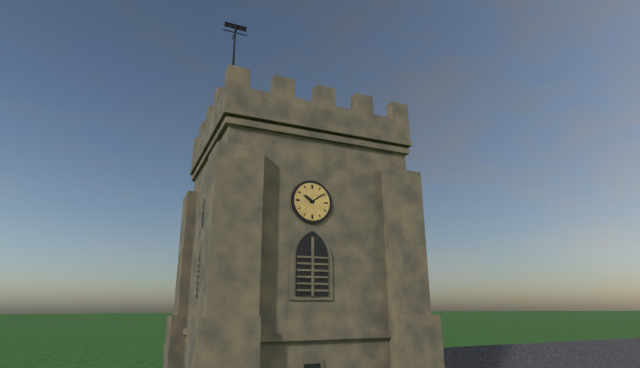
10,09
